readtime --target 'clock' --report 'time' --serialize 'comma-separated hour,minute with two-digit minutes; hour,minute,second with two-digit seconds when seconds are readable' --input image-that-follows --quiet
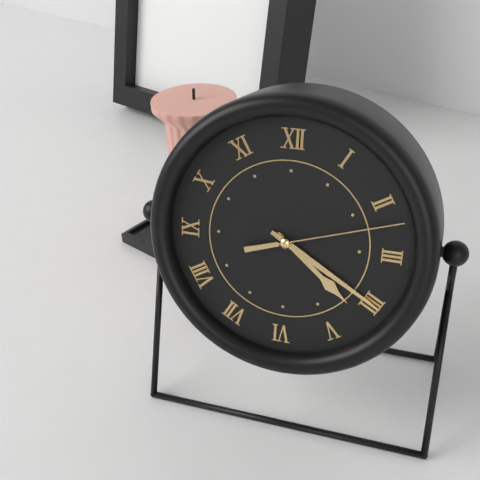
4,20,12
